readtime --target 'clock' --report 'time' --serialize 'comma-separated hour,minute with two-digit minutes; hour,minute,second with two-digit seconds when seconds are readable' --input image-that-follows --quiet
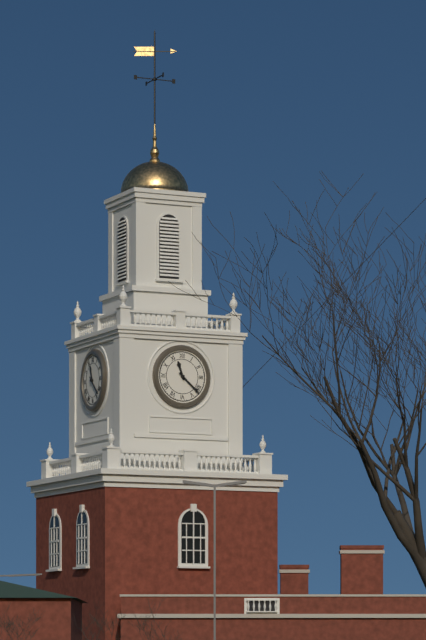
11,22
